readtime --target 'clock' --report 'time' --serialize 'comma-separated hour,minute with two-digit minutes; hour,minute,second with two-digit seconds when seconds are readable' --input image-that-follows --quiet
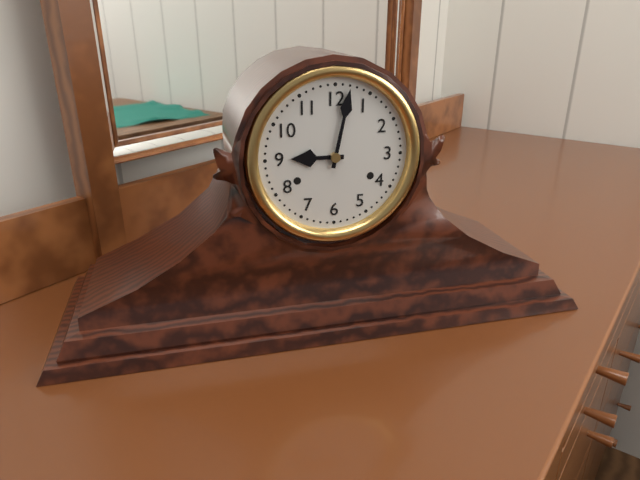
9,02
